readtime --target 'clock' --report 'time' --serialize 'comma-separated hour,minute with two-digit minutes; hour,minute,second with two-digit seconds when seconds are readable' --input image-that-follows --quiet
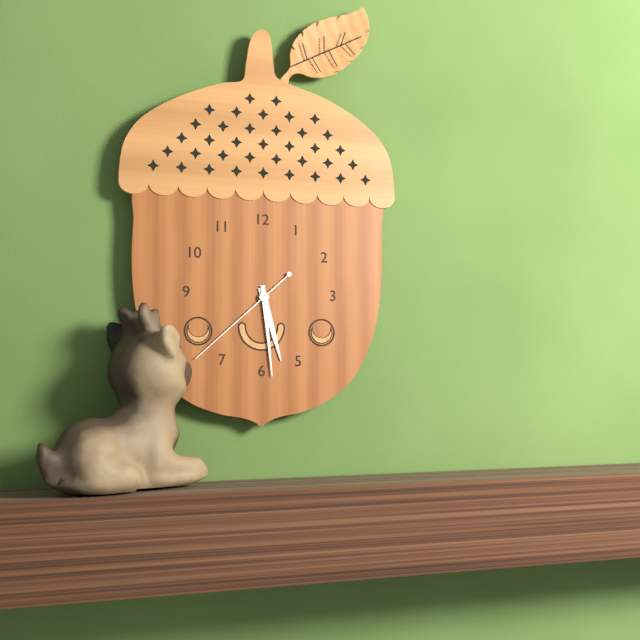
5,29,38
